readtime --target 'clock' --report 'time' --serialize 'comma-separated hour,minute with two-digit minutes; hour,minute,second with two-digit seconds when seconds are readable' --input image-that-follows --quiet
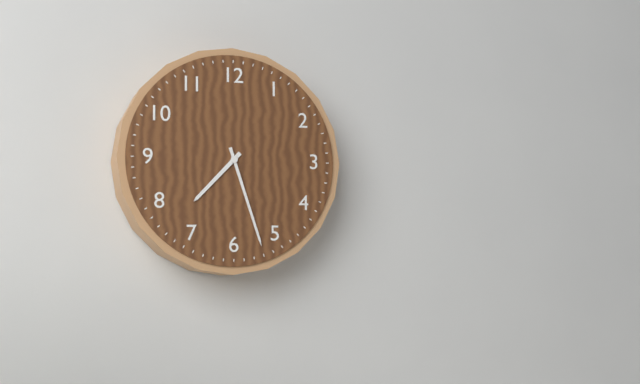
7,27
